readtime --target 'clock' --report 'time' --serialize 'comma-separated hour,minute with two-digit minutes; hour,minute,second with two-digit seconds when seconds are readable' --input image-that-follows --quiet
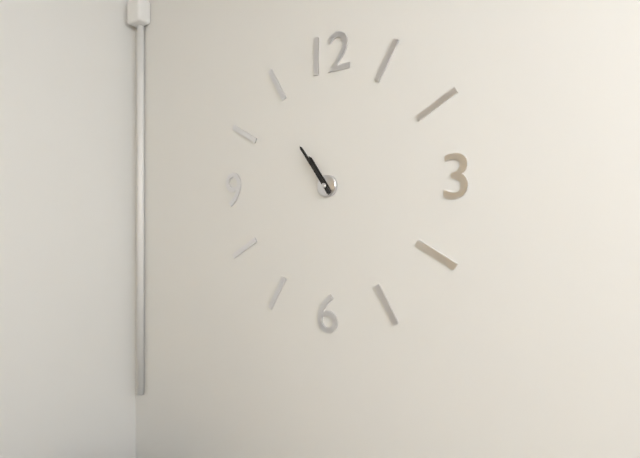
10,54
